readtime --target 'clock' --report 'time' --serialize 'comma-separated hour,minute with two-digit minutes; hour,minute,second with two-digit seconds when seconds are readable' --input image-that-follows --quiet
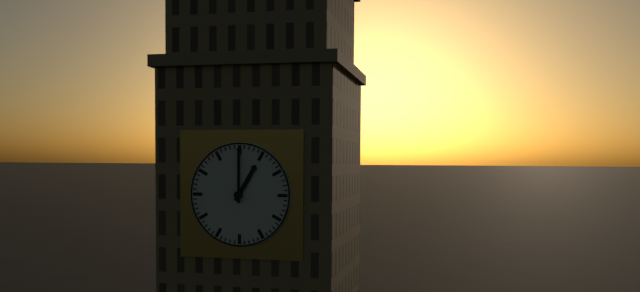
1,00
